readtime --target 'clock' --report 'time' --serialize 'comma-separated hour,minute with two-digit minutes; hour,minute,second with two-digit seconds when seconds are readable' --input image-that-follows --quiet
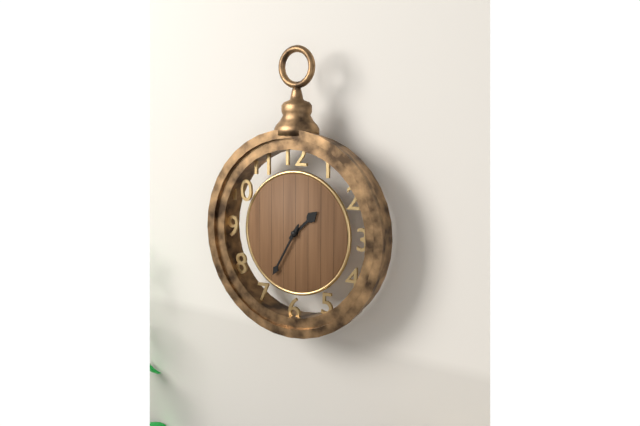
1,35
